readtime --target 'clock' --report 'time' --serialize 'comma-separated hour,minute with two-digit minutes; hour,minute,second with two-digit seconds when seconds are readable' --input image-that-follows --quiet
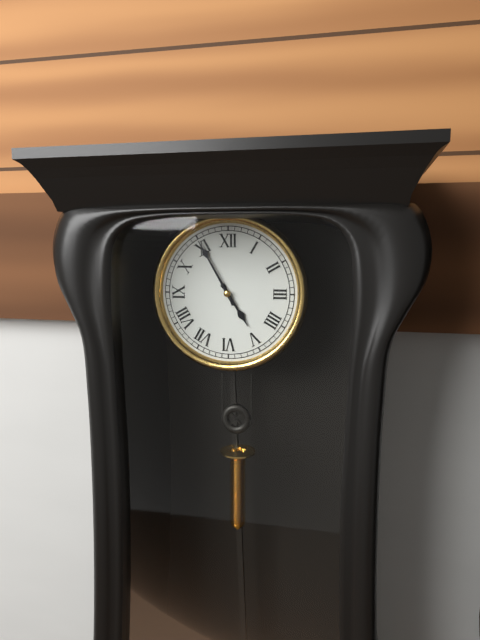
4,55
